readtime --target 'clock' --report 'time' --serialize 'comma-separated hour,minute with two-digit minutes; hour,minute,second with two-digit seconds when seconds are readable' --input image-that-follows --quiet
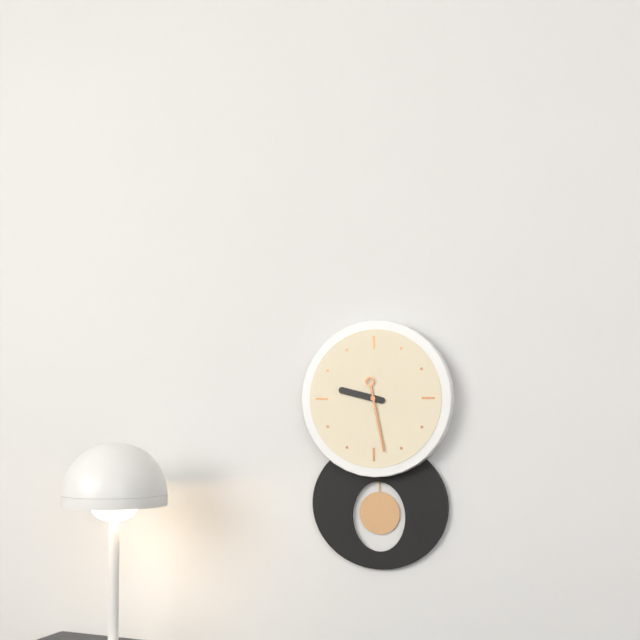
9,28
